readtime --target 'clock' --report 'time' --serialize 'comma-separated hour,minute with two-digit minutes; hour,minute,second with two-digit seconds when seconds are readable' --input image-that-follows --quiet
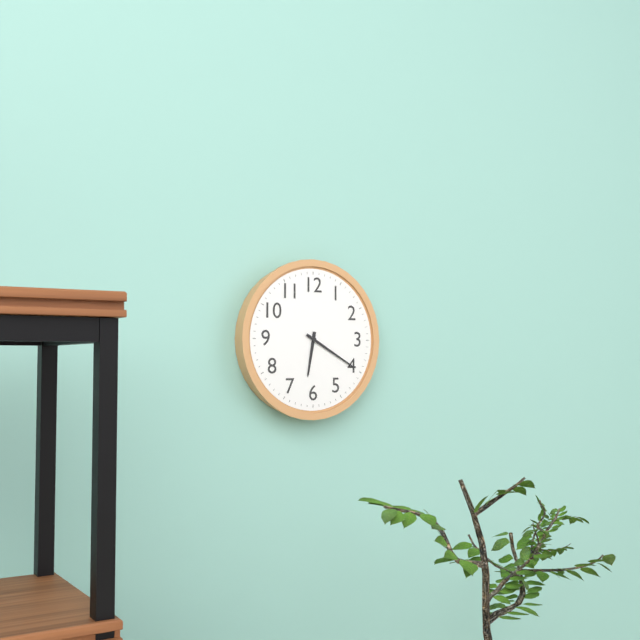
6,20
